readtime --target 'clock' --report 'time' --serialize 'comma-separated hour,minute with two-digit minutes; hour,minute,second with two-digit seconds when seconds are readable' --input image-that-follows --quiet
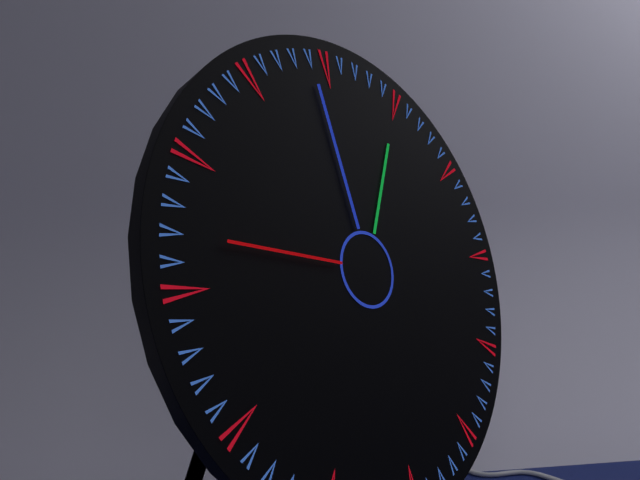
12,59,47
